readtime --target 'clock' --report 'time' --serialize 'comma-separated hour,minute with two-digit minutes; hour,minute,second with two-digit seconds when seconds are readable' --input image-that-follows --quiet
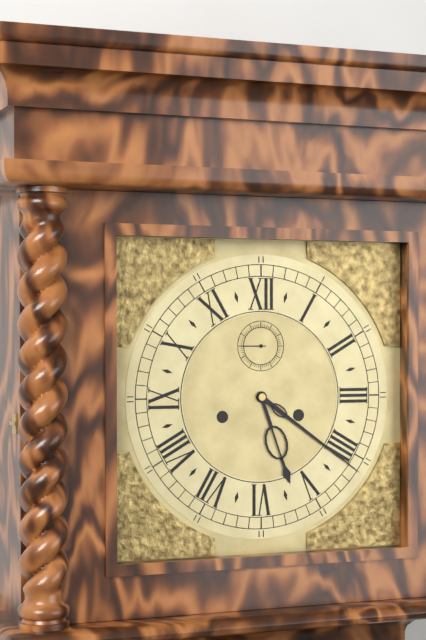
5,21
